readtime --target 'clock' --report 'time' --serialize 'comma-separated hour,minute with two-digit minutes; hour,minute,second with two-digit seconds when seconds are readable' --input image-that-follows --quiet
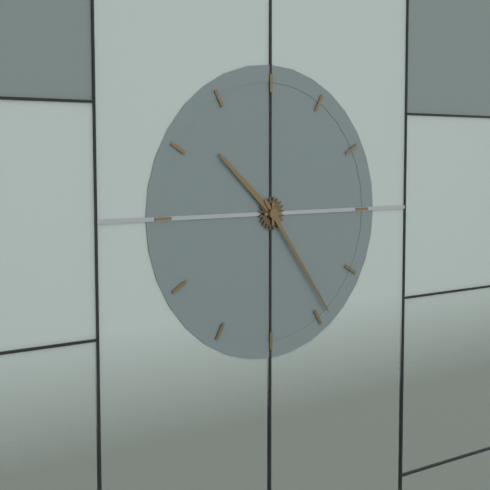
10,24
